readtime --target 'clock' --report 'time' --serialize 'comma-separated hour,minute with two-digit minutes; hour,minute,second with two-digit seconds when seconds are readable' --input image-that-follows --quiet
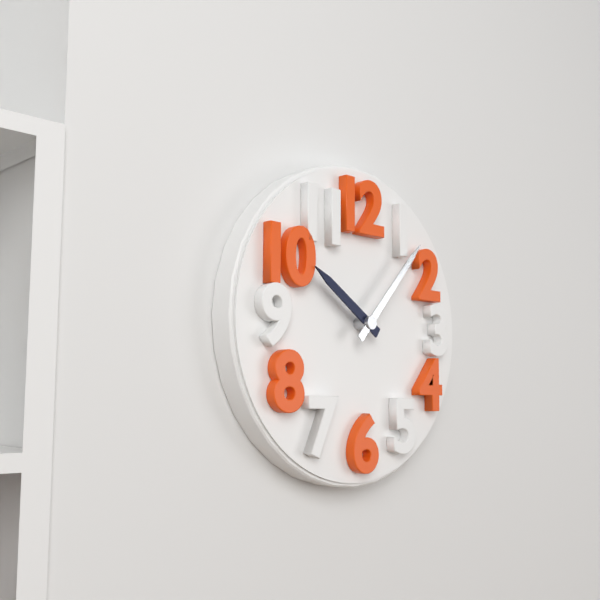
10,07
